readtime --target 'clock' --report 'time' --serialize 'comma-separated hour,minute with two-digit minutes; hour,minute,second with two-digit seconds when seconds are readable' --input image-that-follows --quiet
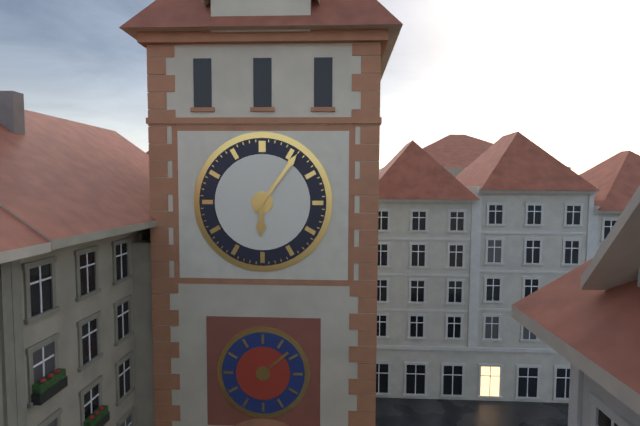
6,06
